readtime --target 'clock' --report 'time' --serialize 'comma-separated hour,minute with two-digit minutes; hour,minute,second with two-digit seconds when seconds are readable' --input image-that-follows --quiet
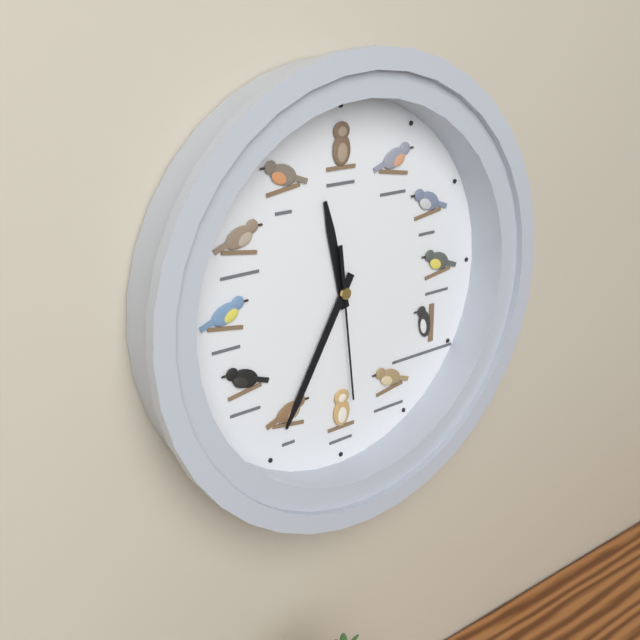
11,35,29
